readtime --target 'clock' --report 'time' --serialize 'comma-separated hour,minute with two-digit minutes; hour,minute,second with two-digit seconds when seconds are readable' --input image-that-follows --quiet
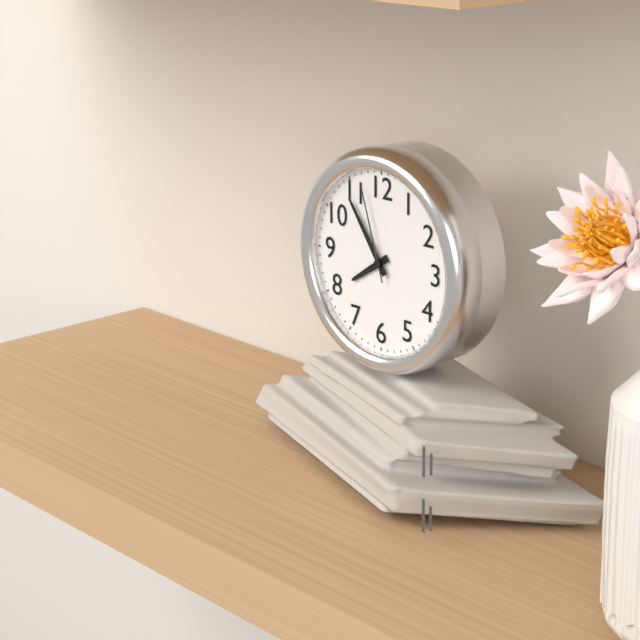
7,54,57
